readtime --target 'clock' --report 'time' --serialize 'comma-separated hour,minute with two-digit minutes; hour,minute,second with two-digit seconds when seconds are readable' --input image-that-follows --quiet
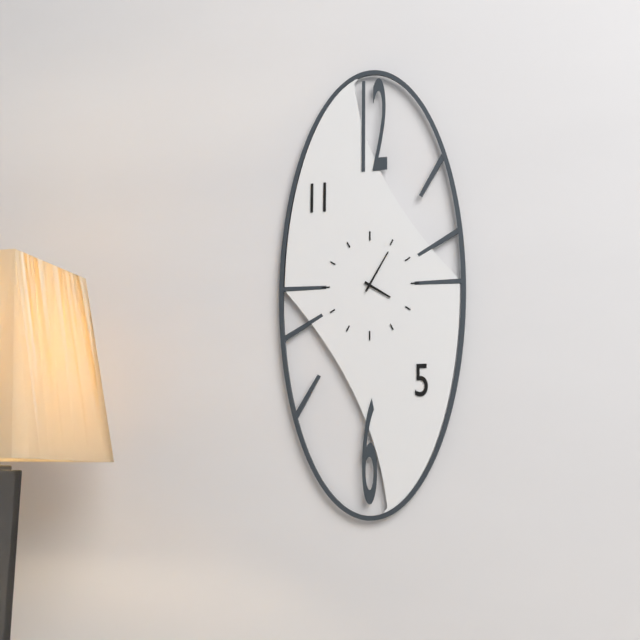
4,05
